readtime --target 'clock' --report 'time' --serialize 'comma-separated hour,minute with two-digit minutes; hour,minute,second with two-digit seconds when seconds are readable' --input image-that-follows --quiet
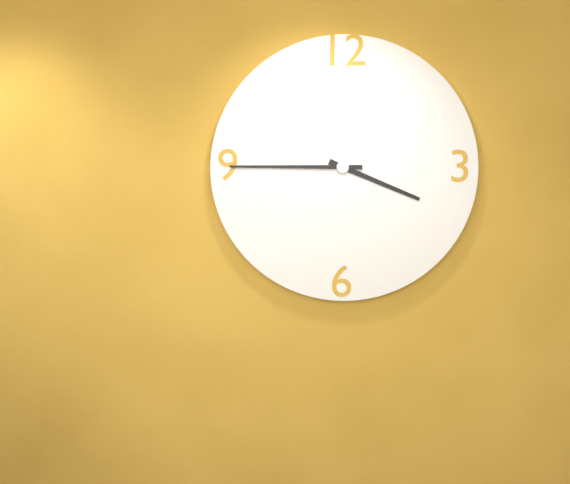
3,45
